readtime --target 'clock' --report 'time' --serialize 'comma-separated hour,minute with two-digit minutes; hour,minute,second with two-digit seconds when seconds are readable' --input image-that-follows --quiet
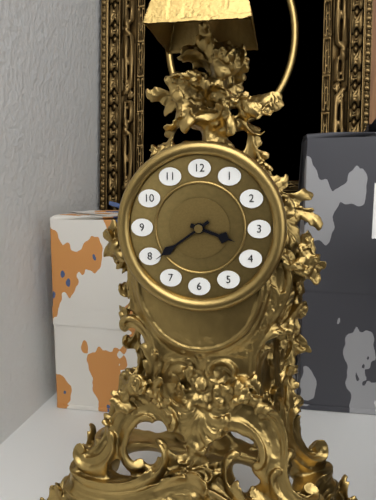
3,39
